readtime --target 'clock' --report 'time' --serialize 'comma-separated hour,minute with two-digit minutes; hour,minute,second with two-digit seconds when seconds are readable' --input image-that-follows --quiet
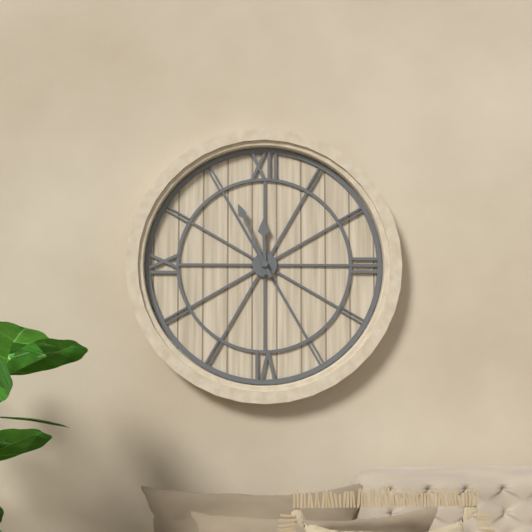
11,56
